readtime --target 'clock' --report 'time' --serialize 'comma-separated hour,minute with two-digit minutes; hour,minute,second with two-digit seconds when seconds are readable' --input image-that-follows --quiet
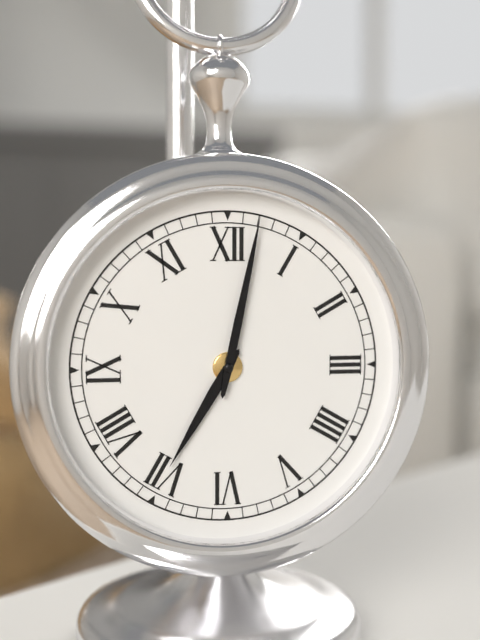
7,02
